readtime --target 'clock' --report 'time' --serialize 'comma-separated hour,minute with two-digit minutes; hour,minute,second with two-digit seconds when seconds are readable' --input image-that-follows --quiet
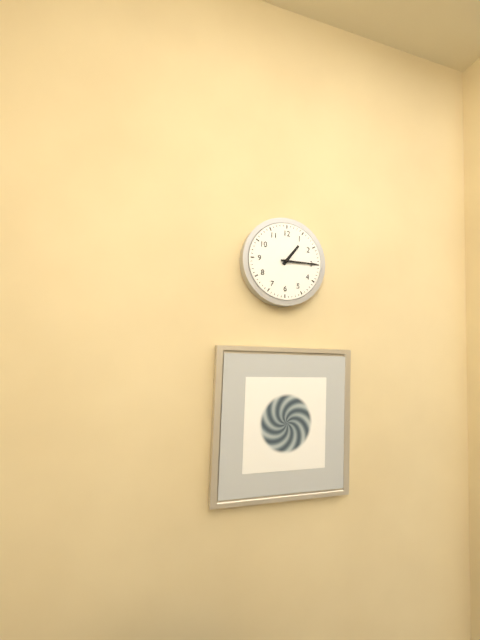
1,15
